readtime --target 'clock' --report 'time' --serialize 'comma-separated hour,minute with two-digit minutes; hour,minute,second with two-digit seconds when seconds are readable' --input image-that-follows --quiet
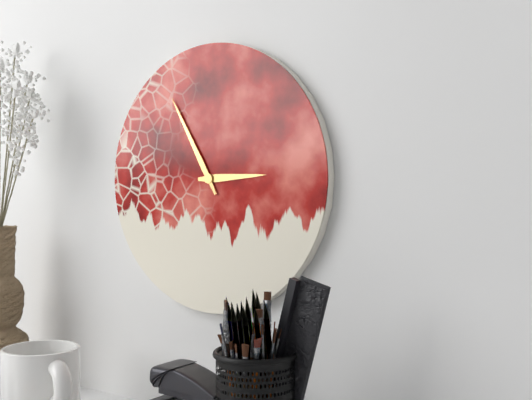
2,55
